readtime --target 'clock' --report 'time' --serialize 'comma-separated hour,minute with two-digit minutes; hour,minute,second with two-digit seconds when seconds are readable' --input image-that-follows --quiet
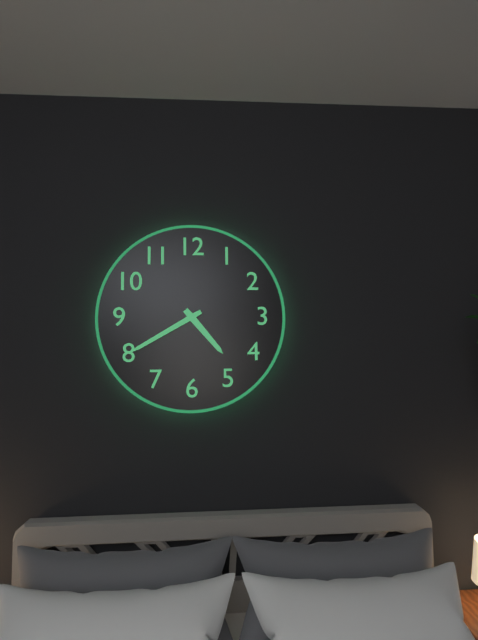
4,40
